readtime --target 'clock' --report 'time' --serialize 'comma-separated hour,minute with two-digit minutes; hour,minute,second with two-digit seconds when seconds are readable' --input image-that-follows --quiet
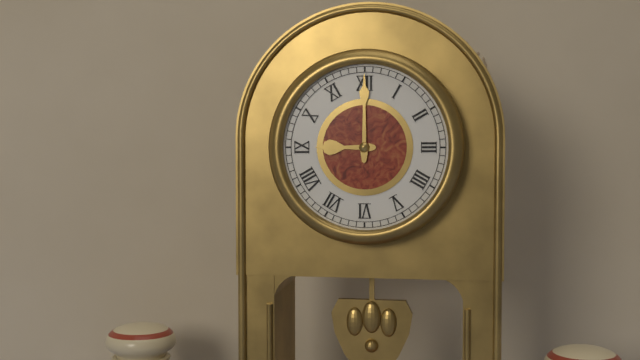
9,00
